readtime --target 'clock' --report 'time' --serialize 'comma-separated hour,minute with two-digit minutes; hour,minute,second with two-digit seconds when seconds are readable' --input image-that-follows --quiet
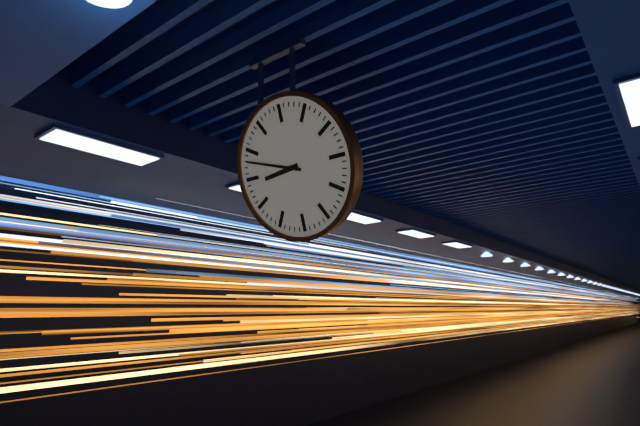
8,48
